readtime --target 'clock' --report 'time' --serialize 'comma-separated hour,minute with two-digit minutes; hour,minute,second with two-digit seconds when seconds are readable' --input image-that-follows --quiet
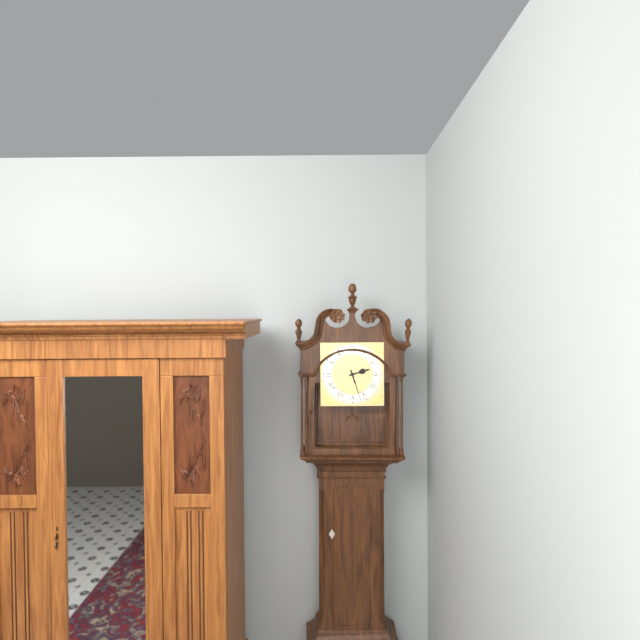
2,27
